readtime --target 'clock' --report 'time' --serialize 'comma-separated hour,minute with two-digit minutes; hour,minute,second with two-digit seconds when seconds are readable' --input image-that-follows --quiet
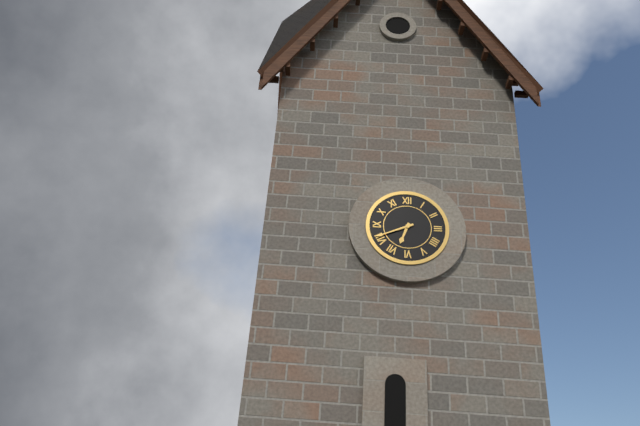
6,41
